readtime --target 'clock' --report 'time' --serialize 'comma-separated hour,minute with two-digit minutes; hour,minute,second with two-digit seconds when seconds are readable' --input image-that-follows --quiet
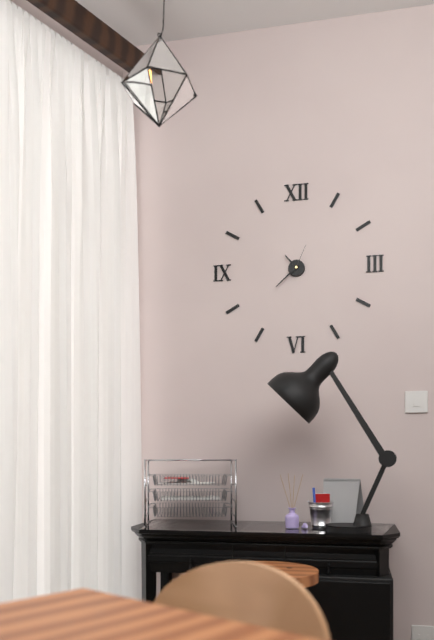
10,38
